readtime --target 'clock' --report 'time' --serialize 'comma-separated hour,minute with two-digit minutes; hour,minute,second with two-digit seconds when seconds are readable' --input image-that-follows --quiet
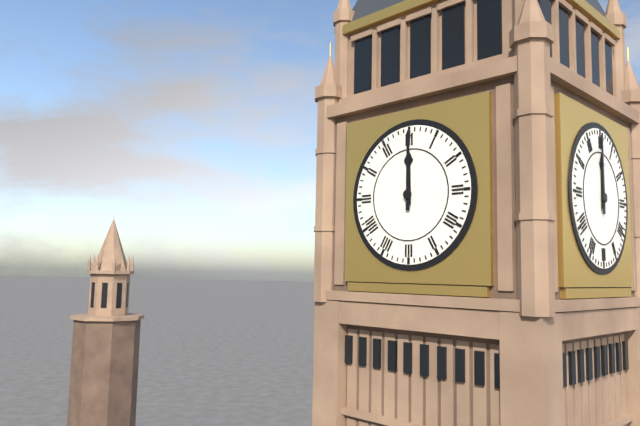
12,00
